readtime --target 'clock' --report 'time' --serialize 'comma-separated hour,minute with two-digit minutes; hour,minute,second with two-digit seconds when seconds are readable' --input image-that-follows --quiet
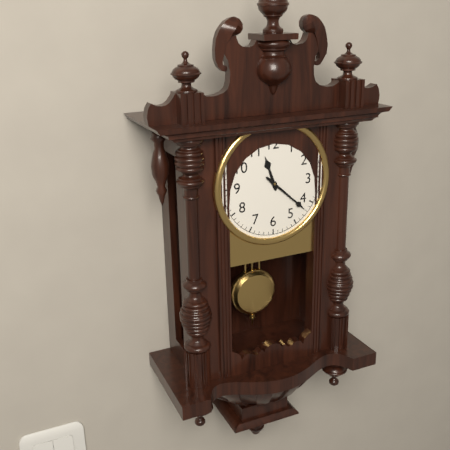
11,22
